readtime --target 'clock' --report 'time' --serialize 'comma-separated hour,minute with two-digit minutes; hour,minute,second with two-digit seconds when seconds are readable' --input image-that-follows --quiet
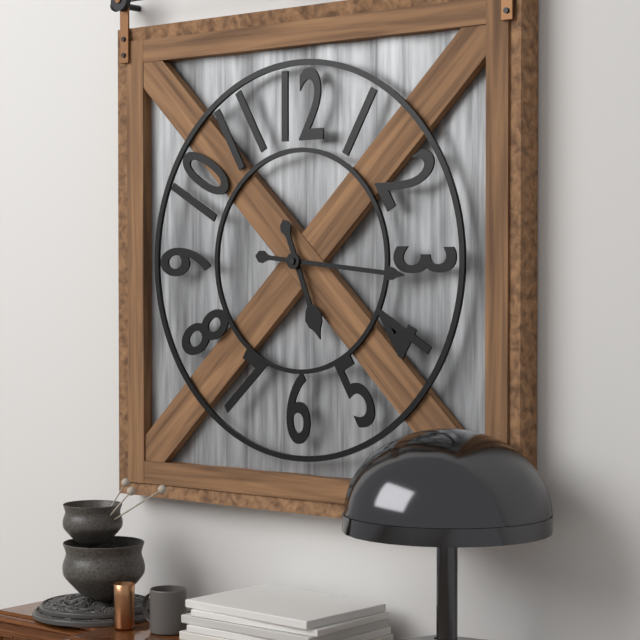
5,16
